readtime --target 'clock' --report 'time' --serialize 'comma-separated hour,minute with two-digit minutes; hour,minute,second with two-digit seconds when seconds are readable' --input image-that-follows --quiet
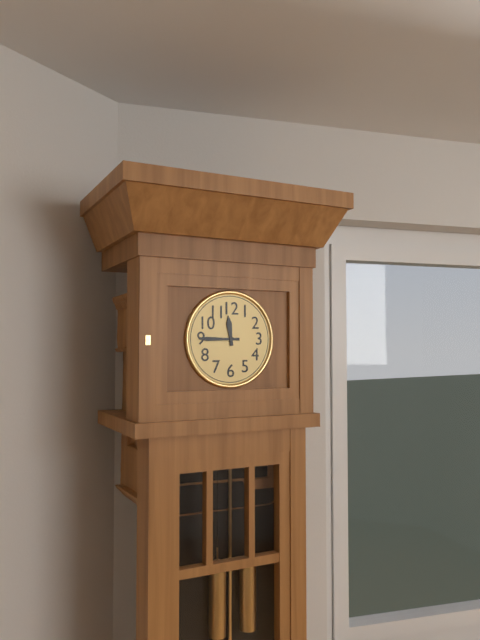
11,45
